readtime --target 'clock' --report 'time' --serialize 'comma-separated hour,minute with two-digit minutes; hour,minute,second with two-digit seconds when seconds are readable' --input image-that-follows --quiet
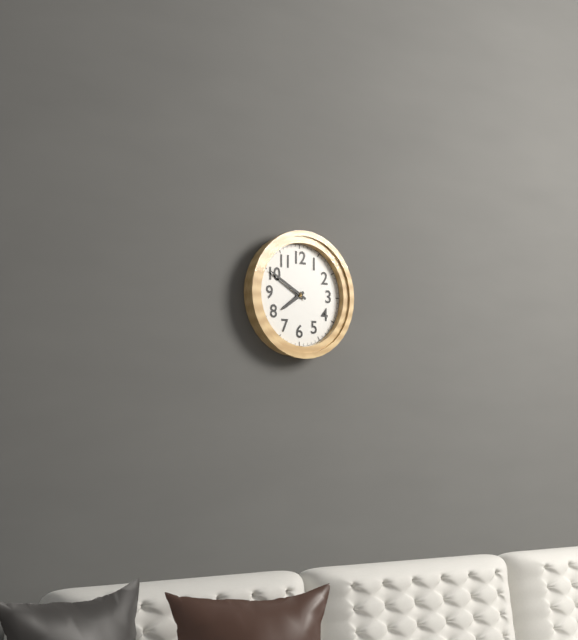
7,50
